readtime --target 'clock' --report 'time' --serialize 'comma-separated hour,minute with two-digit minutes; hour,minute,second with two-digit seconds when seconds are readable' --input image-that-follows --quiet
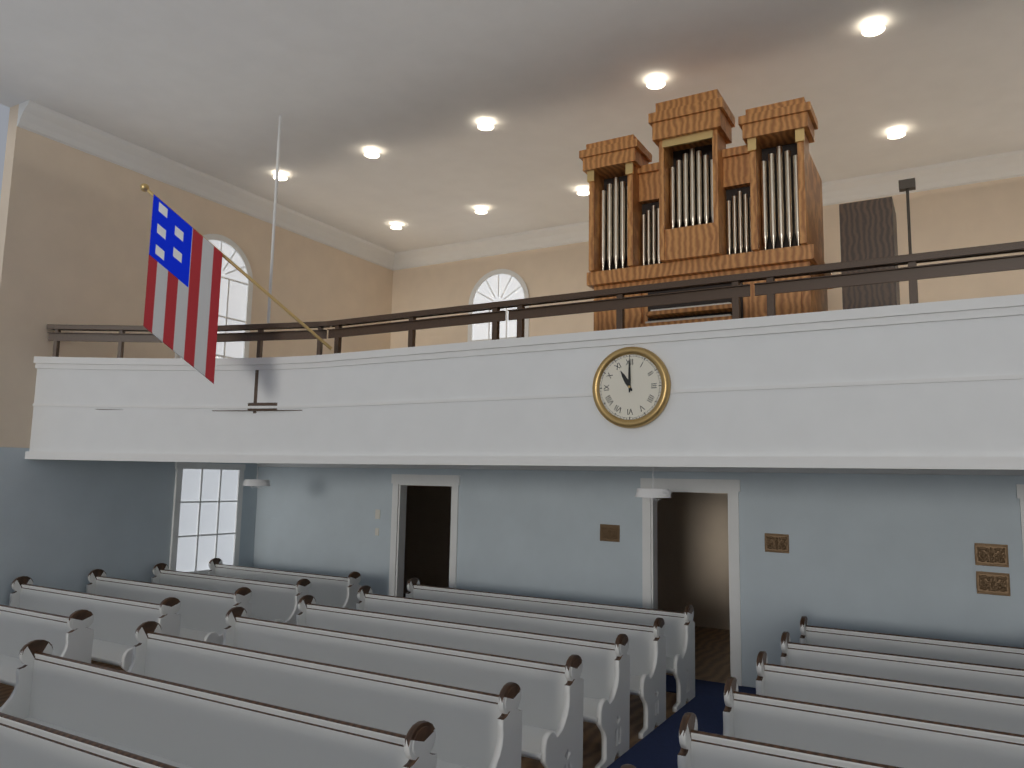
11,00
